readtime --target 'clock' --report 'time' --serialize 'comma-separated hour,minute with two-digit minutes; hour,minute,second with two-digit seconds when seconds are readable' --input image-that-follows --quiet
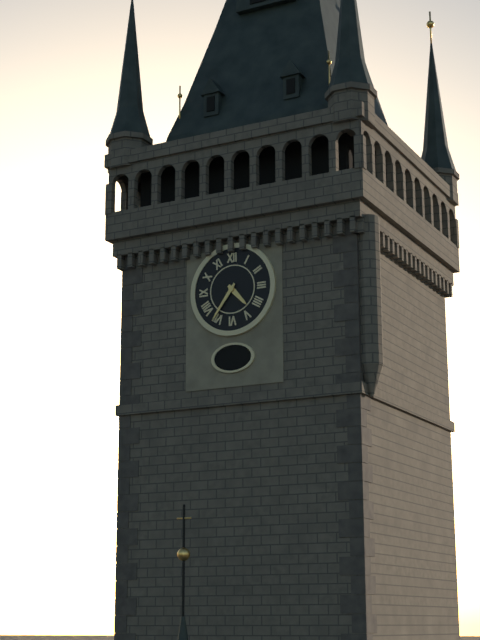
4,36
